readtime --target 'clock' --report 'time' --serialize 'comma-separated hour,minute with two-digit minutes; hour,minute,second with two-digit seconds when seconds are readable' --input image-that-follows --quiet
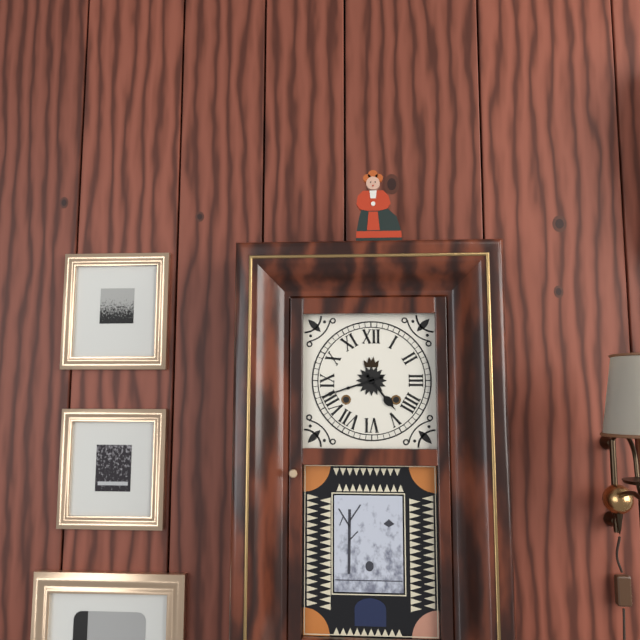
4,42
